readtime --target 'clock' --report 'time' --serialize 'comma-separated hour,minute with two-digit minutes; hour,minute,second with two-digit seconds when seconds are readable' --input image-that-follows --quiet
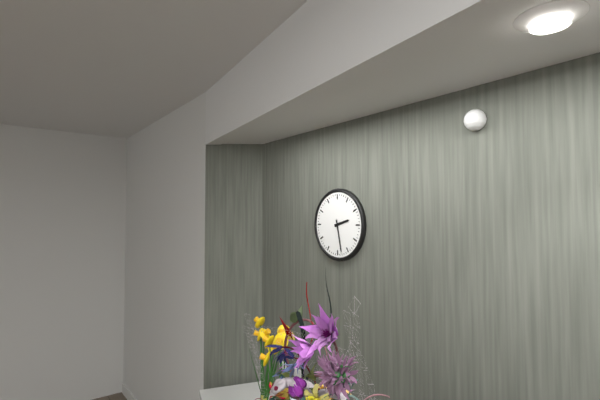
2,28
